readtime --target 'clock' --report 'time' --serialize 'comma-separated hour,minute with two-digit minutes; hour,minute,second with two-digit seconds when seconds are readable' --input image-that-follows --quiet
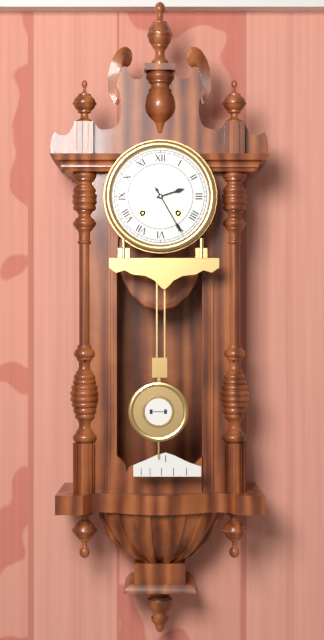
2,25
